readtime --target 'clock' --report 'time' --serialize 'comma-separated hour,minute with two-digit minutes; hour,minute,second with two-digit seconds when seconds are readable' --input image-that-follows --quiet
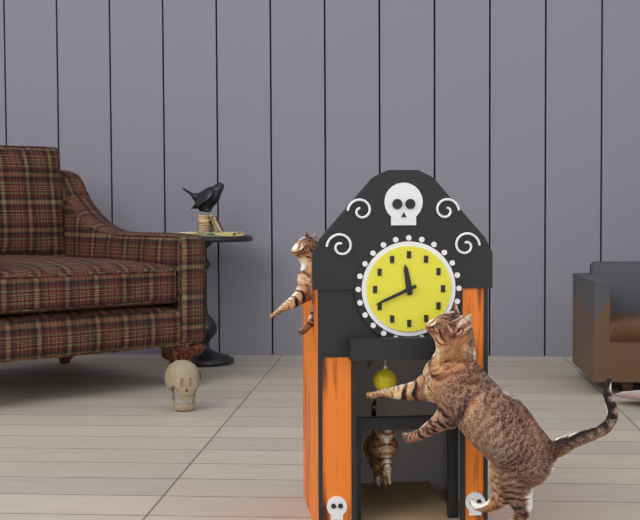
11,41
